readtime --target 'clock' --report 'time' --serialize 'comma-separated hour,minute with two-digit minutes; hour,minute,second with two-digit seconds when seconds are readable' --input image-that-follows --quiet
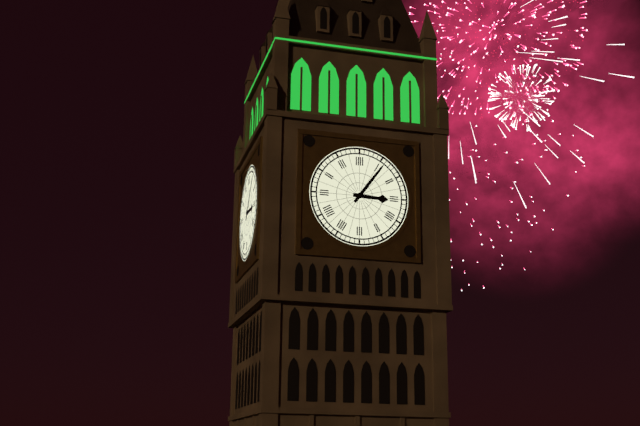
3,06
